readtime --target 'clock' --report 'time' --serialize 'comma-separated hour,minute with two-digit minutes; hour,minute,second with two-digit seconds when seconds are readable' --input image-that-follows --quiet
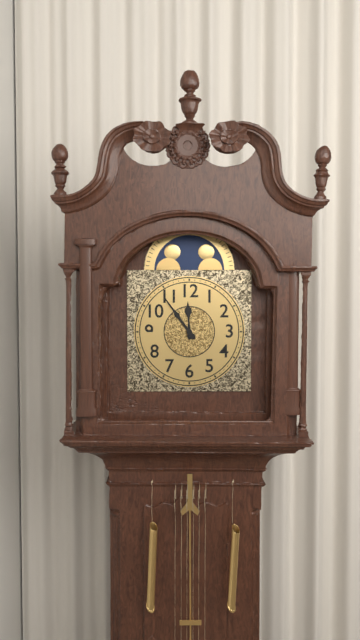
11,54
